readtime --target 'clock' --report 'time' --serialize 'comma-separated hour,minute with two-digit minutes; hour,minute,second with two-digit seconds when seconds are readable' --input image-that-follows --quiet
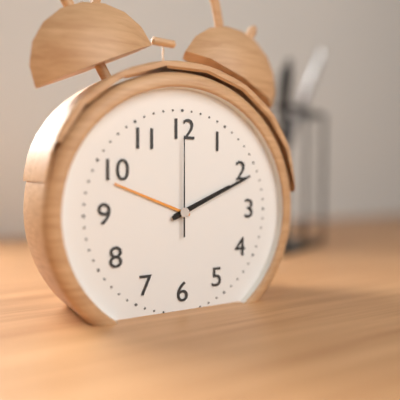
2,11,00
